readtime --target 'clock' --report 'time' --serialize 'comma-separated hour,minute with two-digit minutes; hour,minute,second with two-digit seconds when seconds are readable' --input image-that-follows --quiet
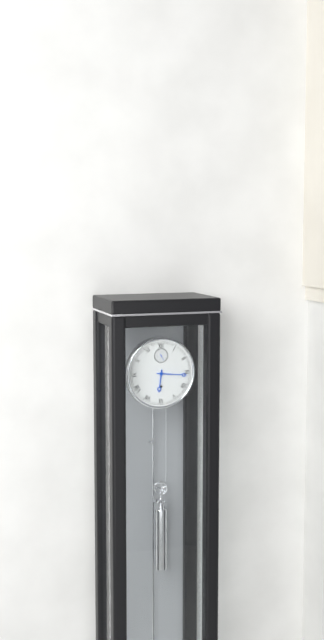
6,16
